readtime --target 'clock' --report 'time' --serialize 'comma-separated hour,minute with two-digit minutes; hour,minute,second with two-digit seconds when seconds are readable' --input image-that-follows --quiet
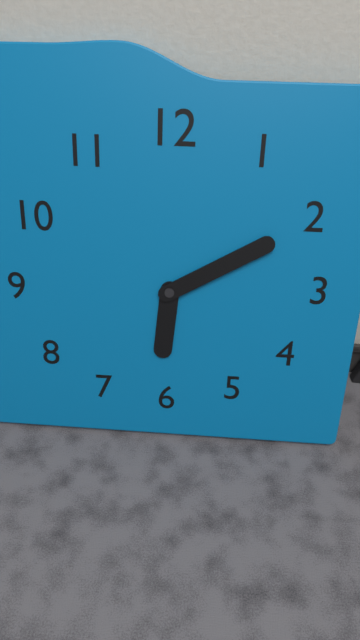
6,10
